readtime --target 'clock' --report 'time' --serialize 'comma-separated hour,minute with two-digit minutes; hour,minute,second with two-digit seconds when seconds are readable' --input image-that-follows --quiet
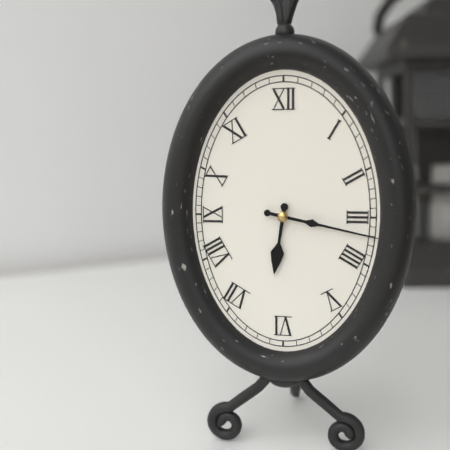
6,17
